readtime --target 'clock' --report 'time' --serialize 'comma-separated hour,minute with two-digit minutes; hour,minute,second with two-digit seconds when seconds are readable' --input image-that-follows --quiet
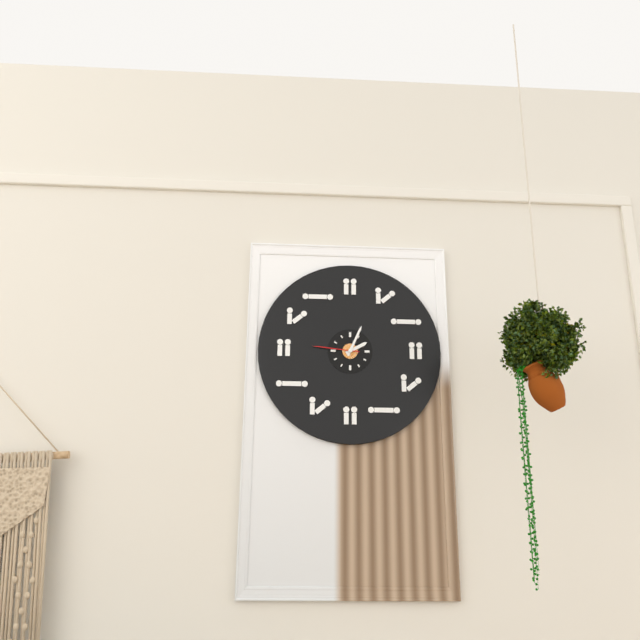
2,04
